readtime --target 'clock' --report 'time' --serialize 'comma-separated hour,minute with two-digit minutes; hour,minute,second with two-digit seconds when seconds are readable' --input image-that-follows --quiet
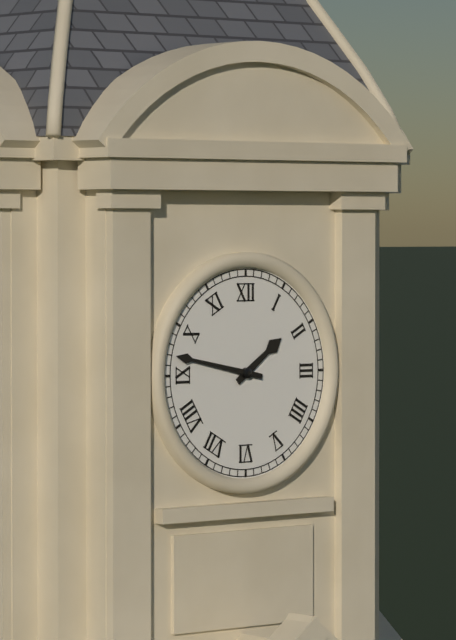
1,47
